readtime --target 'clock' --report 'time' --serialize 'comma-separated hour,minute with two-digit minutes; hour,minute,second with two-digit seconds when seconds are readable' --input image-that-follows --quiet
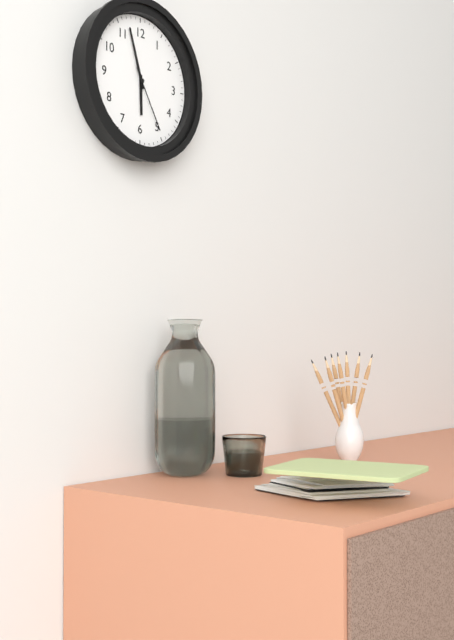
5,57,25
